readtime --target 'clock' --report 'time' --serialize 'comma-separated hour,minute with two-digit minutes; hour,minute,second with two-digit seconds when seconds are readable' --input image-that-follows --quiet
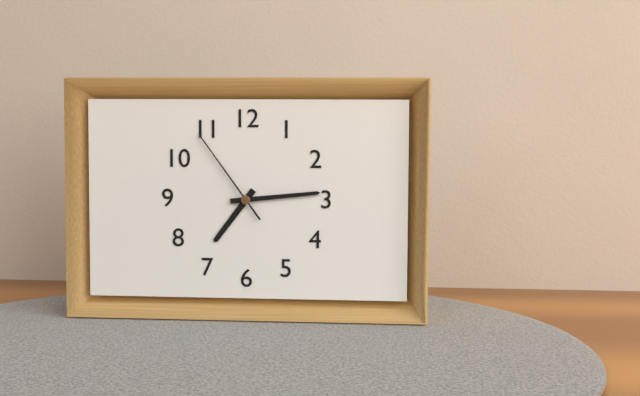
7,14,54
